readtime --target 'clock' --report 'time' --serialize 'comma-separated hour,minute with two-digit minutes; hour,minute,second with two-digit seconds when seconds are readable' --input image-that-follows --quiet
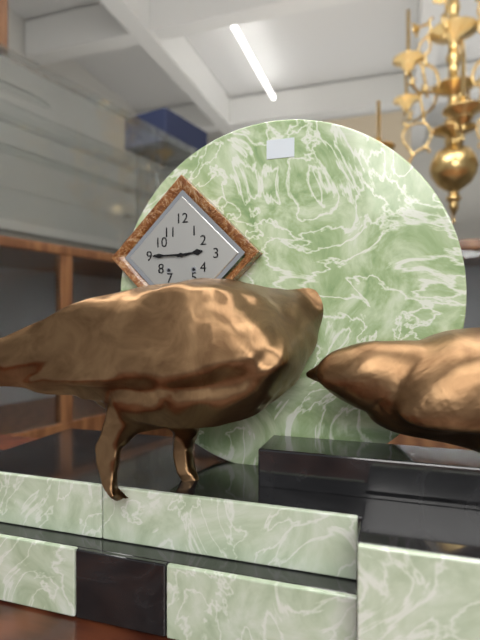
2,45
